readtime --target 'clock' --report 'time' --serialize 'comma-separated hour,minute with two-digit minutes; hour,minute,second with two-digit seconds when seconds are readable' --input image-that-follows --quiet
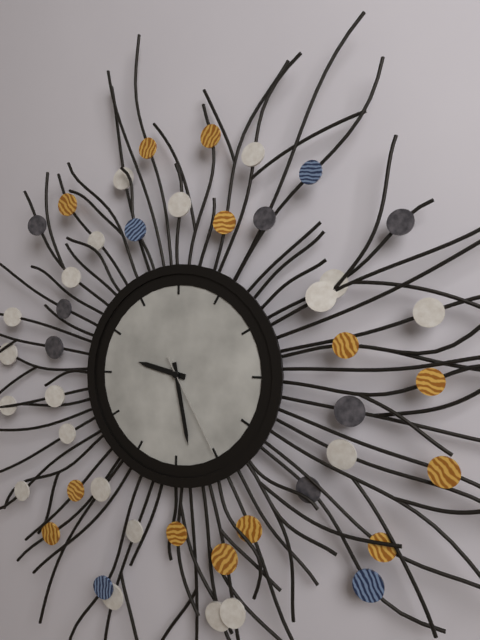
9,28,25
